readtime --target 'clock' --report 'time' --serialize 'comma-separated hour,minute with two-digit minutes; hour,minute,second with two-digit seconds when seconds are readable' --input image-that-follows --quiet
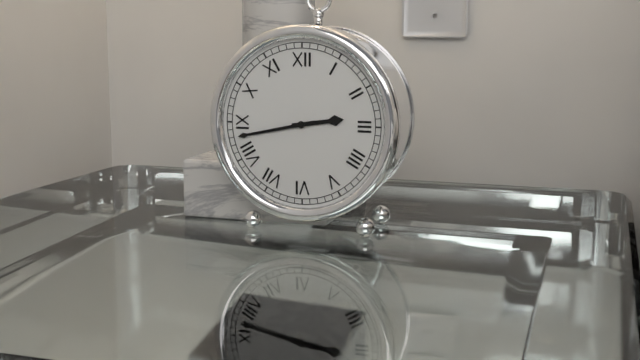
2,43
